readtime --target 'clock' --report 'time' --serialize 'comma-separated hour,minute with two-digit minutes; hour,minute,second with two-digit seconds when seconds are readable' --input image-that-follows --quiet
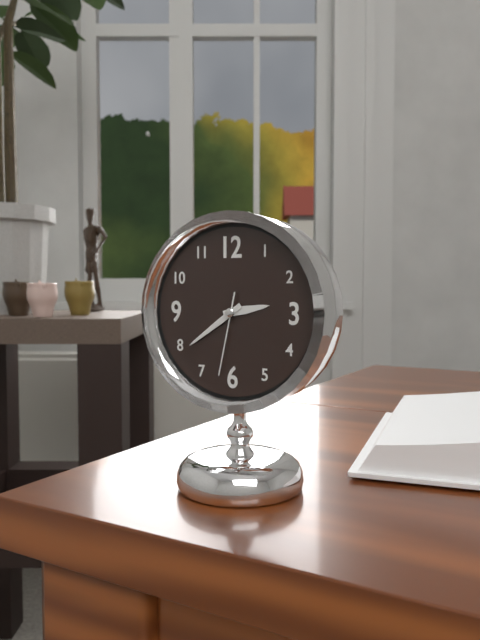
2,39,32
